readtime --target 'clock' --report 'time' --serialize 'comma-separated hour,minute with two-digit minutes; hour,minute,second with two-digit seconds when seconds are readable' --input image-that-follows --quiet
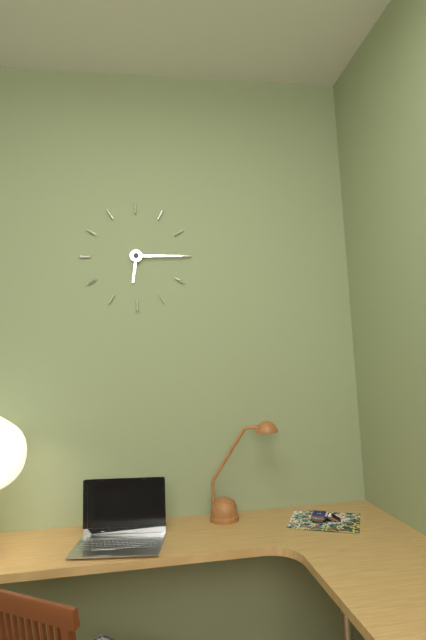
6,15
